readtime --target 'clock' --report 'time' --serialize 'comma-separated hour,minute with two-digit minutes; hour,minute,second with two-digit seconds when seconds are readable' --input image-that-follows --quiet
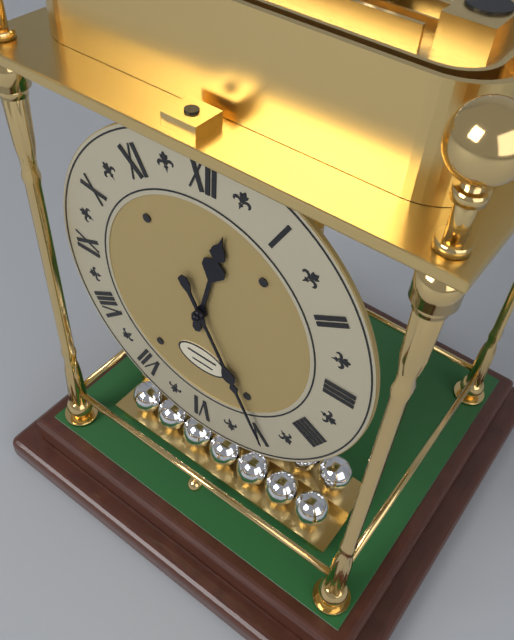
12,25
